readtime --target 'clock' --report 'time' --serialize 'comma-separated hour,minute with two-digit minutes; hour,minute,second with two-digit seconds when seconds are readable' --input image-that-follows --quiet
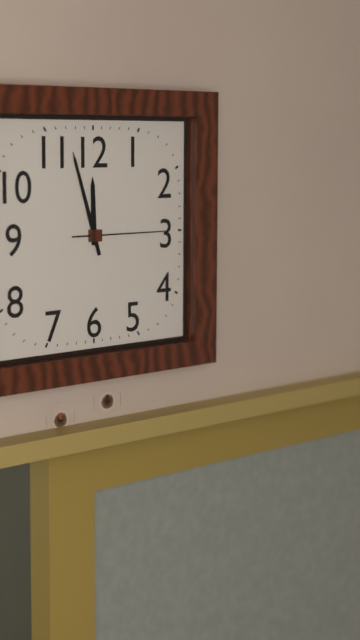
11,57,15
